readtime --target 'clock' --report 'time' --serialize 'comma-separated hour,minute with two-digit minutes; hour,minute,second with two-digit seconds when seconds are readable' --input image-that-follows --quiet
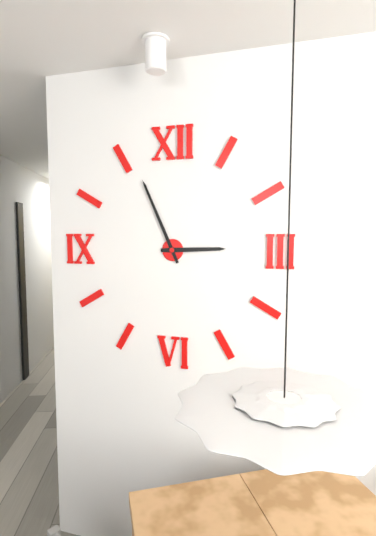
2,56
